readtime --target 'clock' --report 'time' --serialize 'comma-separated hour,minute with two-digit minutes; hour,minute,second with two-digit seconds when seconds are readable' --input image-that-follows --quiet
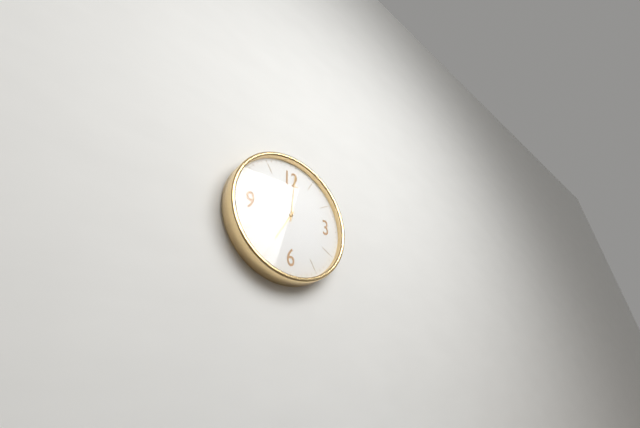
7,01
